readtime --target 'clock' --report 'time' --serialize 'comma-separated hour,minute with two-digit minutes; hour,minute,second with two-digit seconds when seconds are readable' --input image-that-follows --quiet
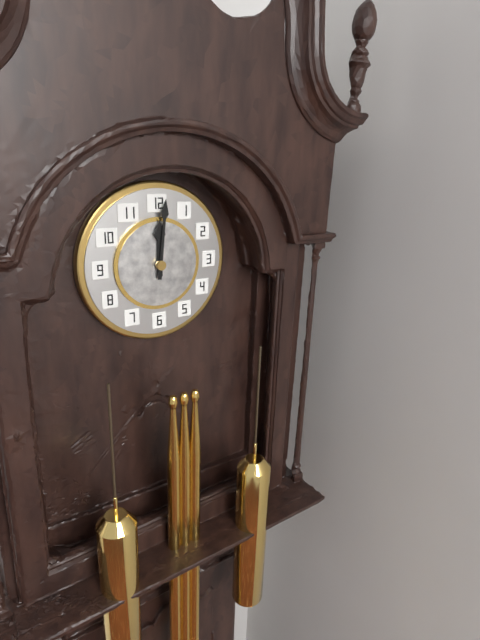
12,01
